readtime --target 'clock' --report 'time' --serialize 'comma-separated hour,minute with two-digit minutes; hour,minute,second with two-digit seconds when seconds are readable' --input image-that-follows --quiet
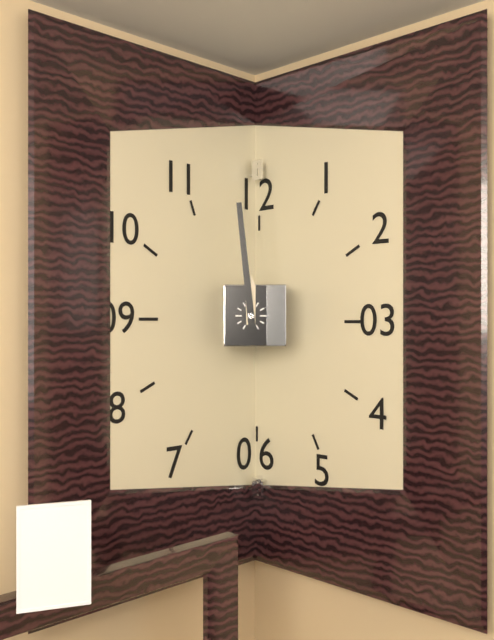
11,59
